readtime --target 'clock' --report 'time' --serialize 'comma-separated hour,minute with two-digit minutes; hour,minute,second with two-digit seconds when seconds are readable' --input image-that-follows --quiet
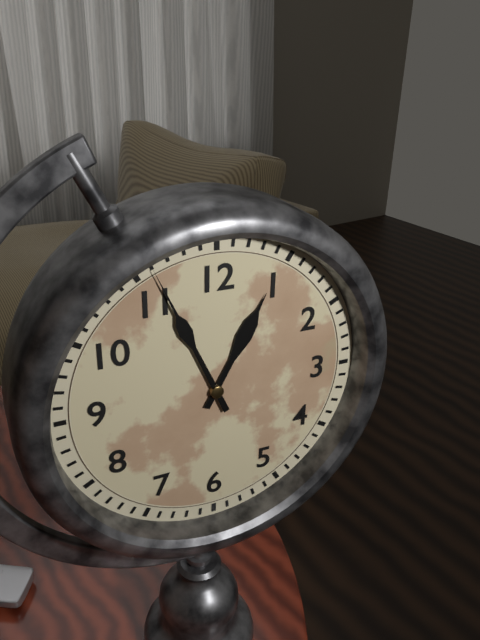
12,56
